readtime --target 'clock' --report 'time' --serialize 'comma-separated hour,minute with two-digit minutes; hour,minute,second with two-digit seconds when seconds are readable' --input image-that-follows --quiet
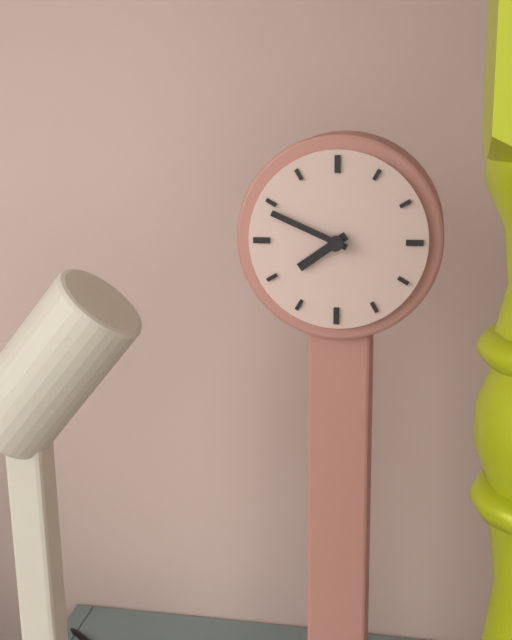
7,49
